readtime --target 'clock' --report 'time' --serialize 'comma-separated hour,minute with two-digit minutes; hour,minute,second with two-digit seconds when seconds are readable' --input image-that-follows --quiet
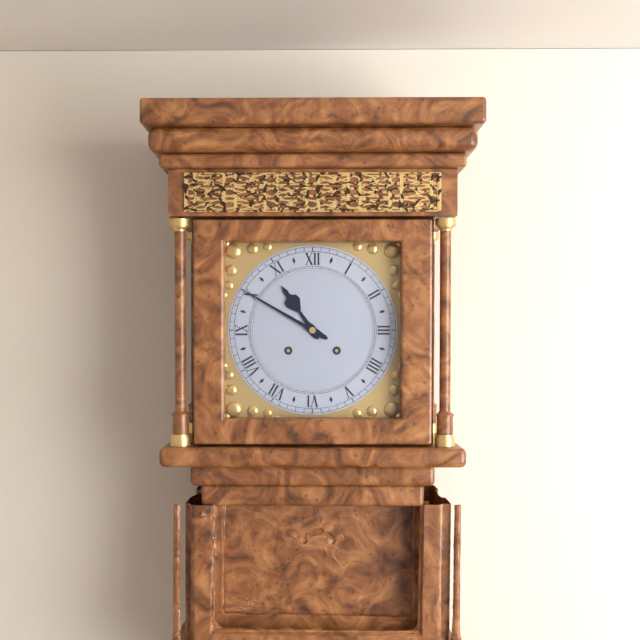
10,50
